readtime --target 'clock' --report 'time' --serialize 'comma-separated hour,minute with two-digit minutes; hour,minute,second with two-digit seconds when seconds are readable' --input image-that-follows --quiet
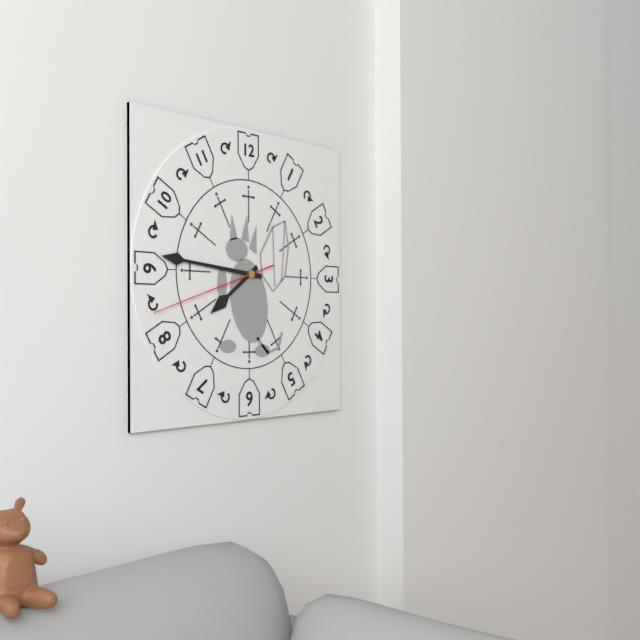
7,46,42
